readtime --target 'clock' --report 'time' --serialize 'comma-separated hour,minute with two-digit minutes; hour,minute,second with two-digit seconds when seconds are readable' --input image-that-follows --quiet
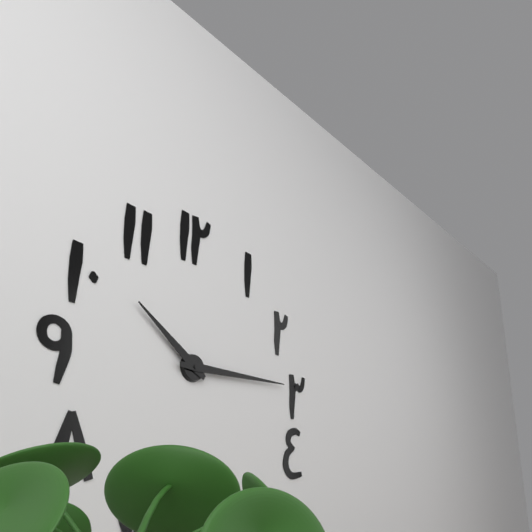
10,15
